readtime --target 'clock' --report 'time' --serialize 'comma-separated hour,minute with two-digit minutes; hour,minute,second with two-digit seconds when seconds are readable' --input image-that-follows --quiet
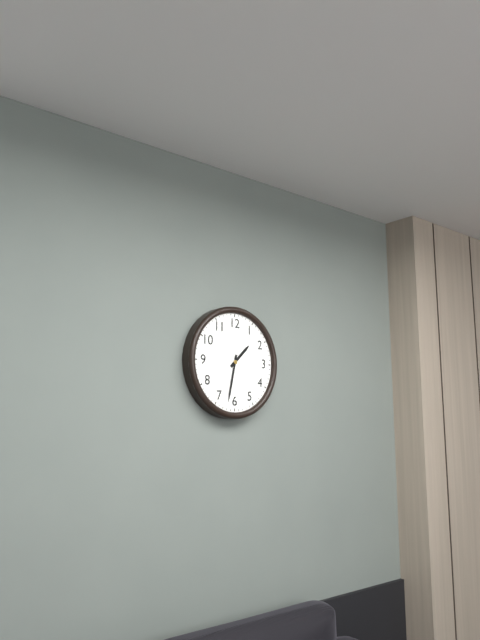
1,32
